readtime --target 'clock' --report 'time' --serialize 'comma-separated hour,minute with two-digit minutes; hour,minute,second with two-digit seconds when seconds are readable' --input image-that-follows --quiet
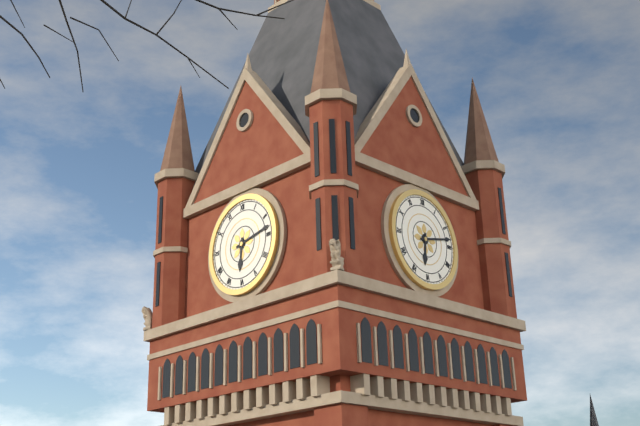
6,13
